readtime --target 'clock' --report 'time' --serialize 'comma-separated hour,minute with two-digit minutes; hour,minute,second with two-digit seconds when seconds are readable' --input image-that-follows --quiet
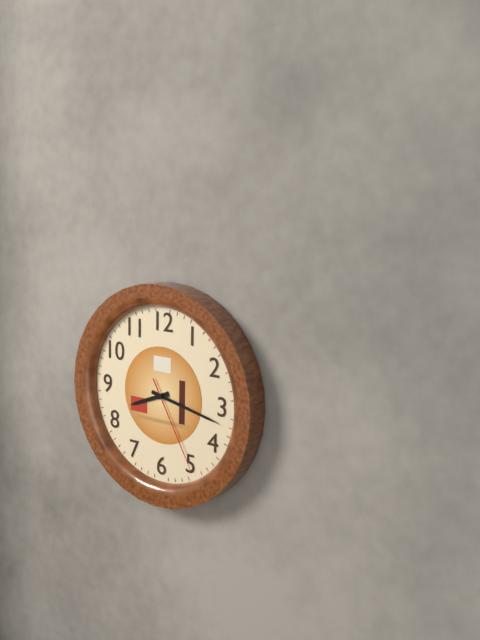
8,17,25
